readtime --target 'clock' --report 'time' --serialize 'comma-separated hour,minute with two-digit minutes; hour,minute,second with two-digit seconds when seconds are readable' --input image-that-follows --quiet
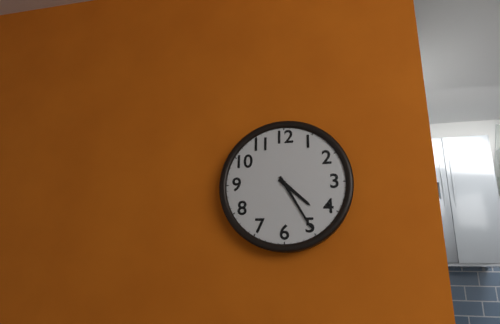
4,25
